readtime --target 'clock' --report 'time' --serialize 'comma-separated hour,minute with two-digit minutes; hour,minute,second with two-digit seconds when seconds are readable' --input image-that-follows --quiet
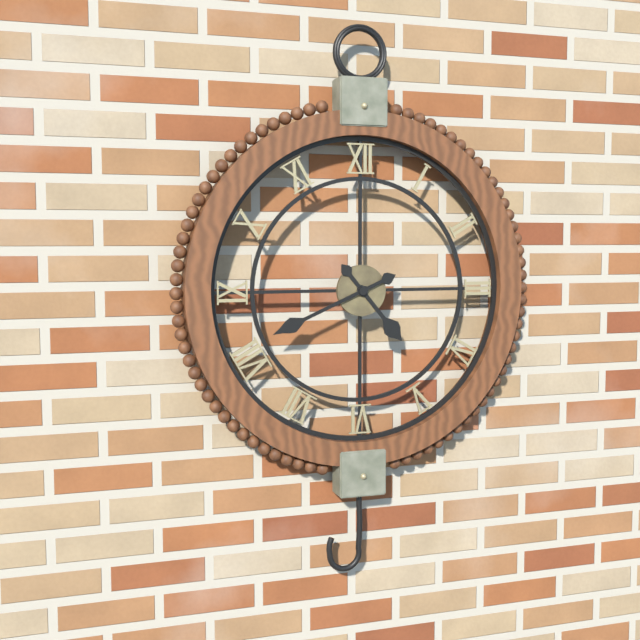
4,41
